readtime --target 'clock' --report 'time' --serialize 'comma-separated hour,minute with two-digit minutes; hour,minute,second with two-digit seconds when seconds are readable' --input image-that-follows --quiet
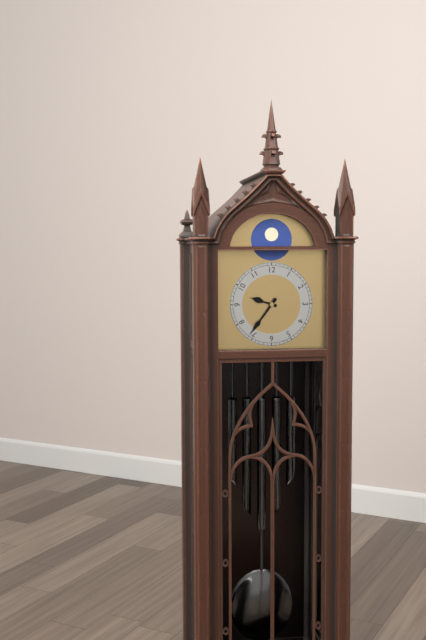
9,36
